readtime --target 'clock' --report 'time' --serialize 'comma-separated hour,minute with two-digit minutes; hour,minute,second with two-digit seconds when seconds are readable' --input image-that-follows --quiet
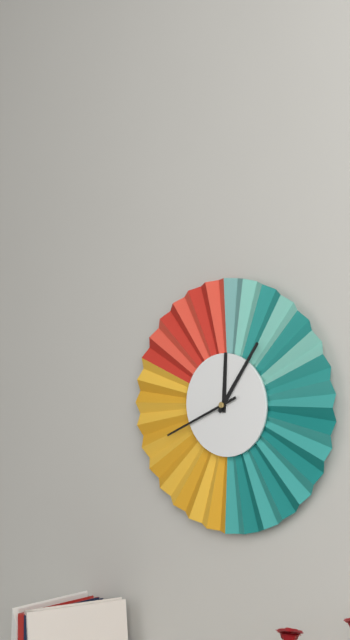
12,06,41
